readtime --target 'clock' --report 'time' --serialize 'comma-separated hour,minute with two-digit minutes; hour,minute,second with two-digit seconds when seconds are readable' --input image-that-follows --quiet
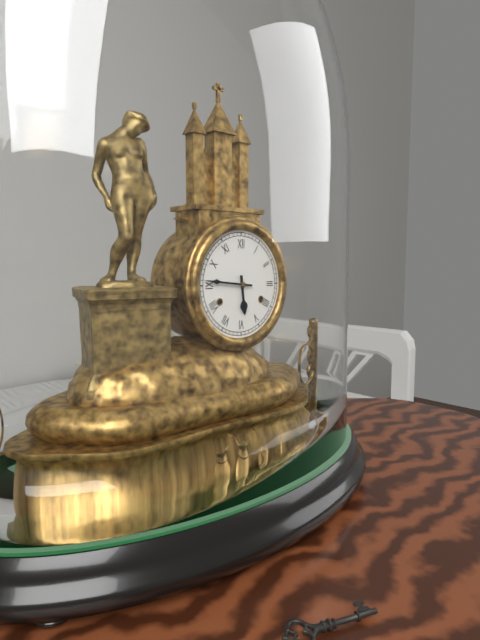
5,46
